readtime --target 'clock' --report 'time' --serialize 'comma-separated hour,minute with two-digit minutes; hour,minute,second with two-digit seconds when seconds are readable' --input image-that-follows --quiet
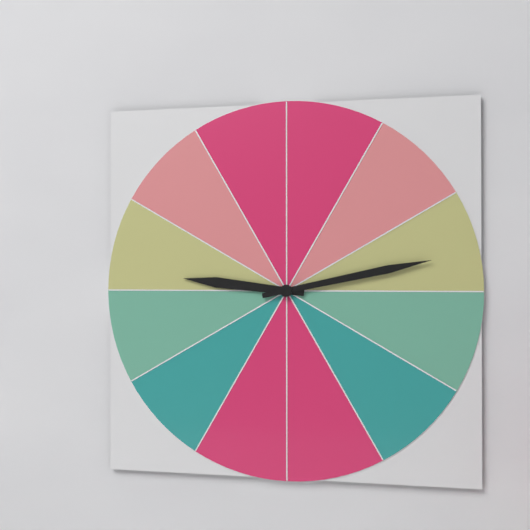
9,13
